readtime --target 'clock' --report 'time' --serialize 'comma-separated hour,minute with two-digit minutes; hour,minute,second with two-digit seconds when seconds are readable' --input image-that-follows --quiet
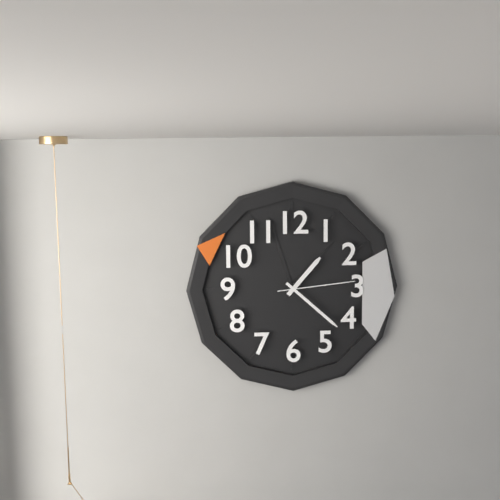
1,22,14
